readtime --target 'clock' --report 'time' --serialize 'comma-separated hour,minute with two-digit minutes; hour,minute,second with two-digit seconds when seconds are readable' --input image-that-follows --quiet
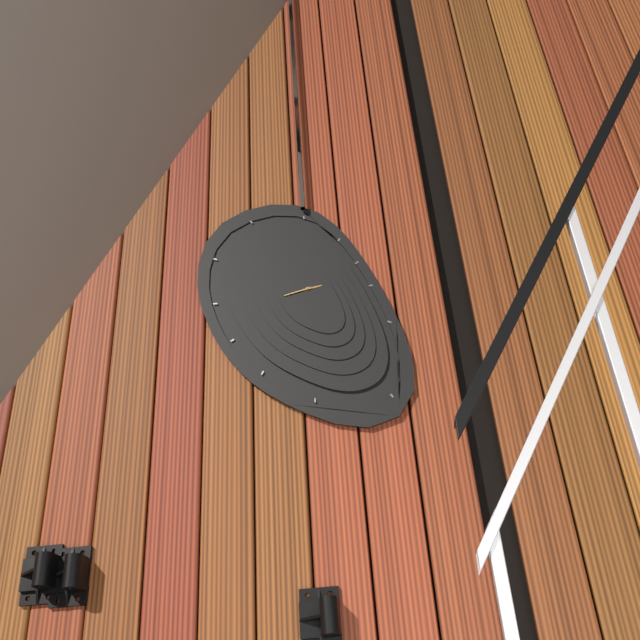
2,43
